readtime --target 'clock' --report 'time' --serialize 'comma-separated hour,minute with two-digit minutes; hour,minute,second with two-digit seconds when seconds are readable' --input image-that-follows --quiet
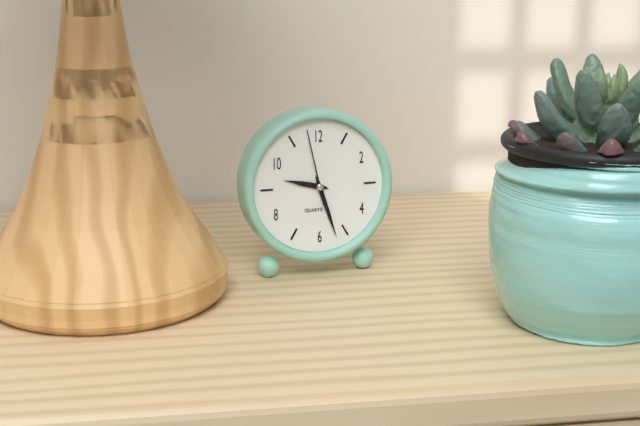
9,27,58
